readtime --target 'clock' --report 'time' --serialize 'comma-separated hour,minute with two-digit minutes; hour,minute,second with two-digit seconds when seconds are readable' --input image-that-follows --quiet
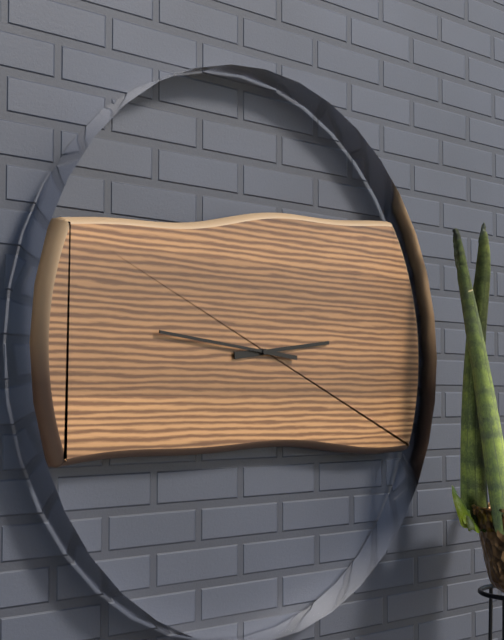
2,46
